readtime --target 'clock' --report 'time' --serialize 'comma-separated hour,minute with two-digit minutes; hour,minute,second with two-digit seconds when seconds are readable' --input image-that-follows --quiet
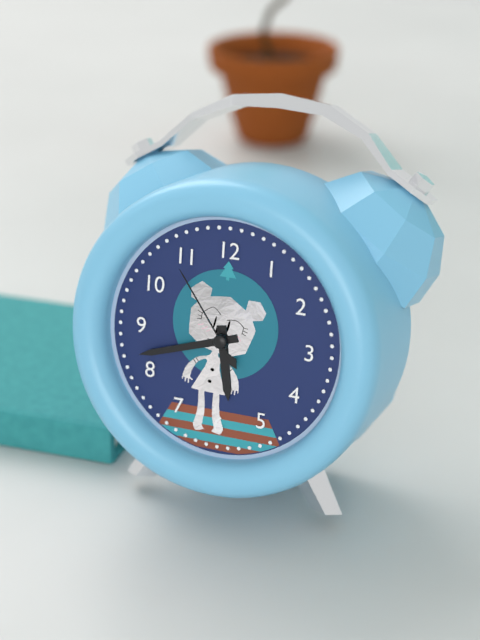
5,42,54
